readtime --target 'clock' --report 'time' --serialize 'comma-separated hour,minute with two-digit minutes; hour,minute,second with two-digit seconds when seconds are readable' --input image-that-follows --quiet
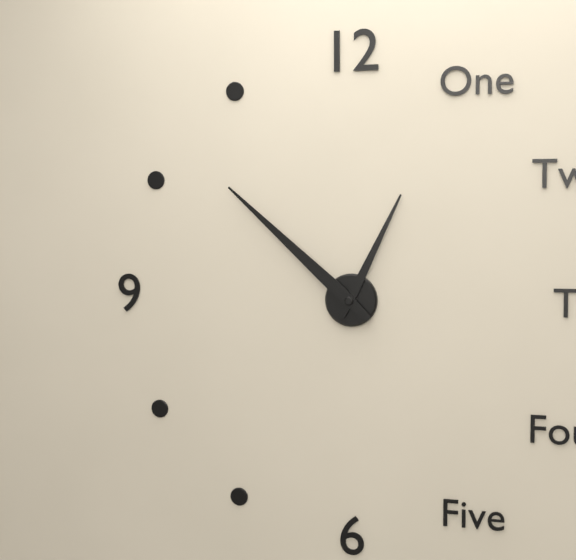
12,52
